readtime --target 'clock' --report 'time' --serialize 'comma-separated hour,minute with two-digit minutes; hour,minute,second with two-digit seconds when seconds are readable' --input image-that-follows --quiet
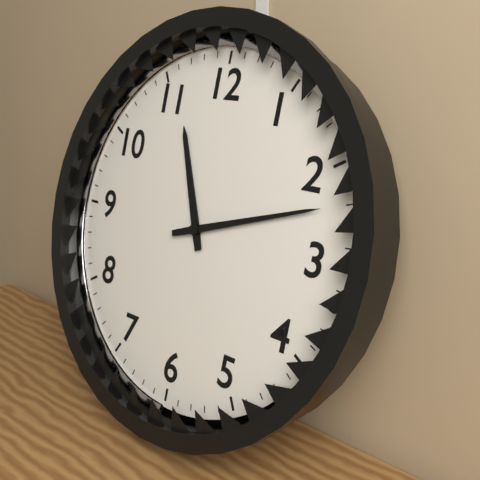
11,12
